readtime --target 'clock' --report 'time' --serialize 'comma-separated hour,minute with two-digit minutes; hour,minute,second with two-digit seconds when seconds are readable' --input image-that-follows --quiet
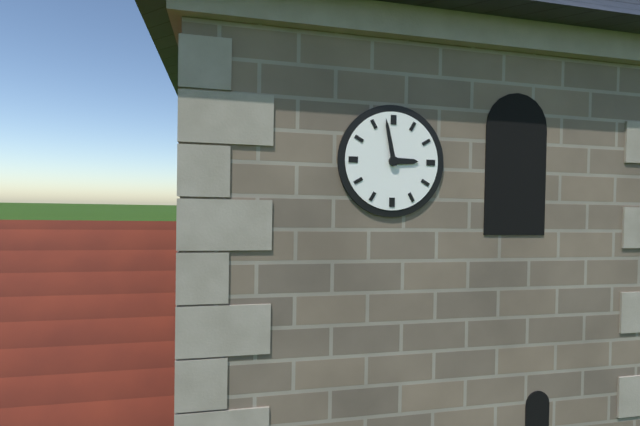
2,58
